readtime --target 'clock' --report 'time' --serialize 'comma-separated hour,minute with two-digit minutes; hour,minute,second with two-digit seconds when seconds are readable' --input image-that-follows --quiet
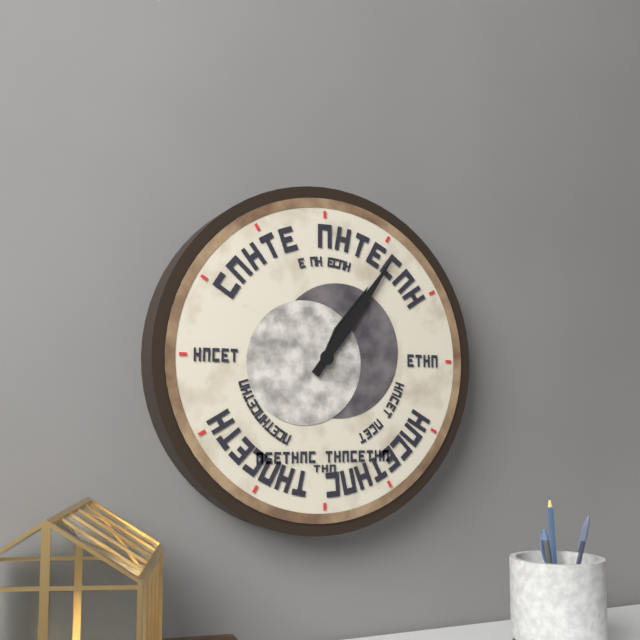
1,06
